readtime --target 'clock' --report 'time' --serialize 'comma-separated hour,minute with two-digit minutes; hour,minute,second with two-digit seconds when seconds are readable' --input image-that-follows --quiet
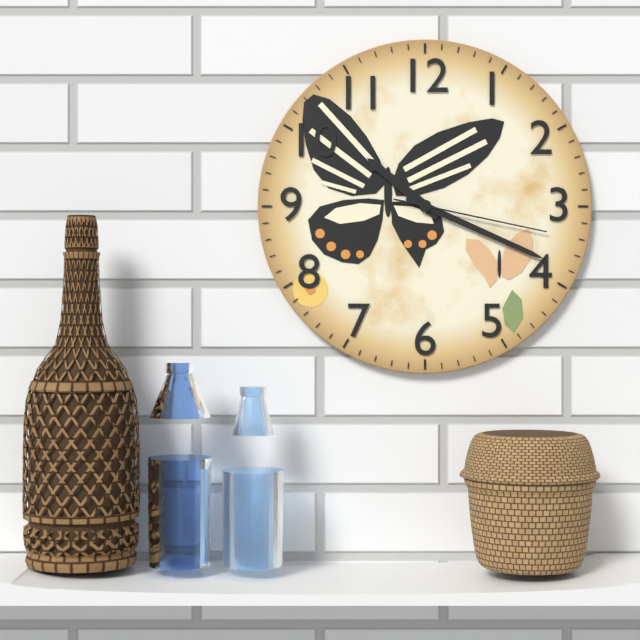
10,19,17
